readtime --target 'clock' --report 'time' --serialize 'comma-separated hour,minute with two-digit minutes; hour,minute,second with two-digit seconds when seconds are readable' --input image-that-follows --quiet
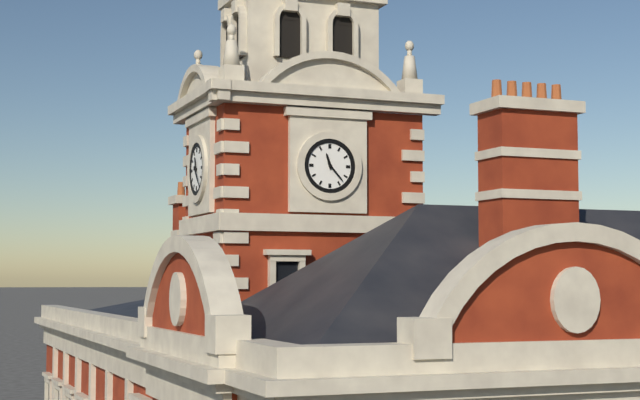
11,23
